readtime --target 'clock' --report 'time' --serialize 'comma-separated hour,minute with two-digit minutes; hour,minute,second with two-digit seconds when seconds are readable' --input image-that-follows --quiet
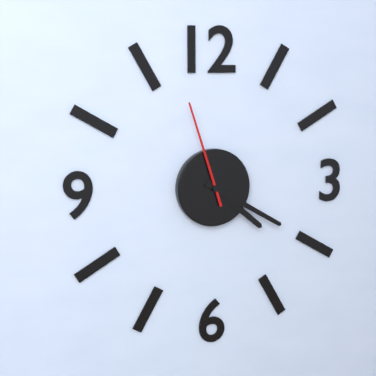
4,20,57
